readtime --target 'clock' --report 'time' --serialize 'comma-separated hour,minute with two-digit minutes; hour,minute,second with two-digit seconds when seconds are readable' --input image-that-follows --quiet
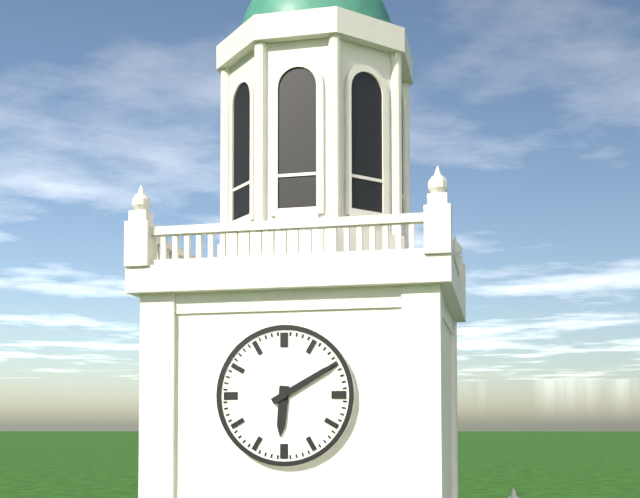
6,10
